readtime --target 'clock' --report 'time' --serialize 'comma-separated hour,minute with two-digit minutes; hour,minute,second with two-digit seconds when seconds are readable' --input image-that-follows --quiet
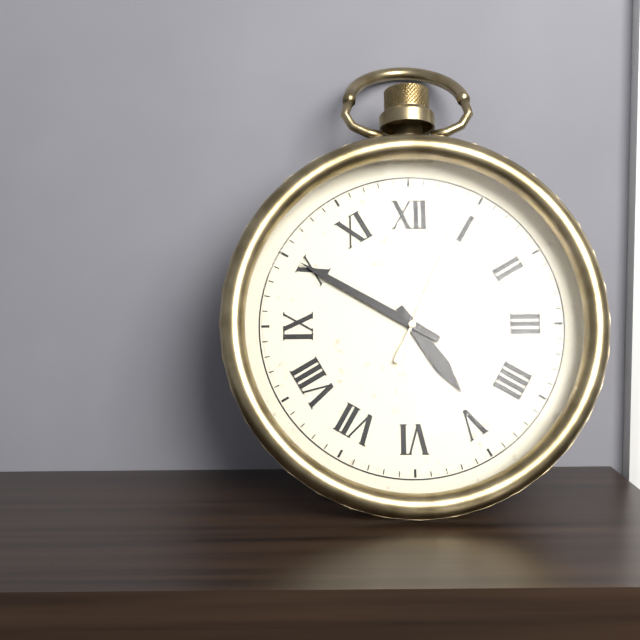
4,50,04
